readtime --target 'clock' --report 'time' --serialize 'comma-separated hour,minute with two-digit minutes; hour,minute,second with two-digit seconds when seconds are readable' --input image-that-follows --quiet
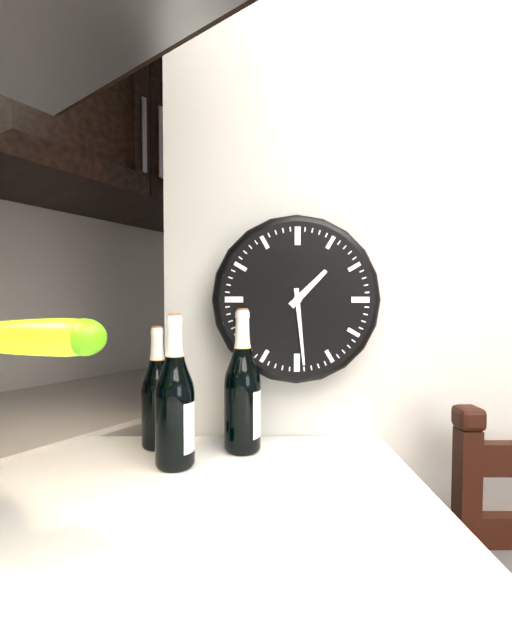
1,29
